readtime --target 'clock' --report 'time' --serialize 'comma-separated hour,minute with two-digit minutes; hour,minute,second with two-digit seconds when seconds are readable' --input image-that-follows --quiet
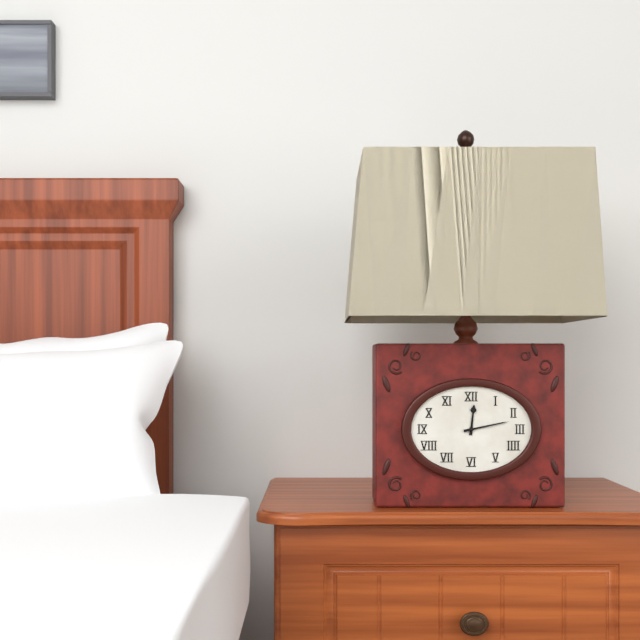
12,13
